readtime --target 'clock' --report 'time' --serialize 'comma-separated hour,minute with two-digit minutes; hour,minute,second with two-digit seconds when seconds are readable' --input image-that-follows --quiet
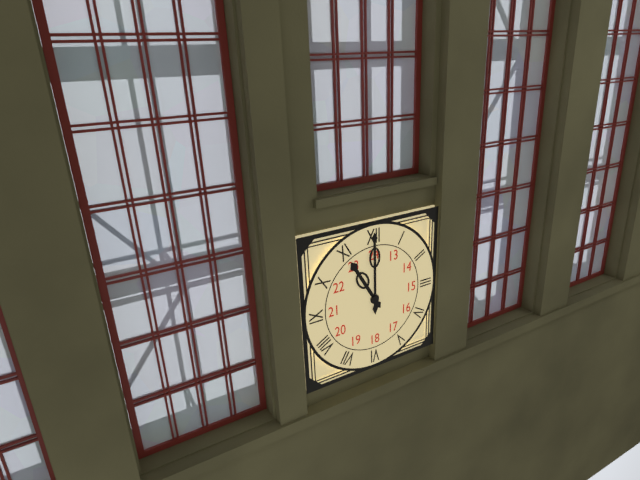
11,00
